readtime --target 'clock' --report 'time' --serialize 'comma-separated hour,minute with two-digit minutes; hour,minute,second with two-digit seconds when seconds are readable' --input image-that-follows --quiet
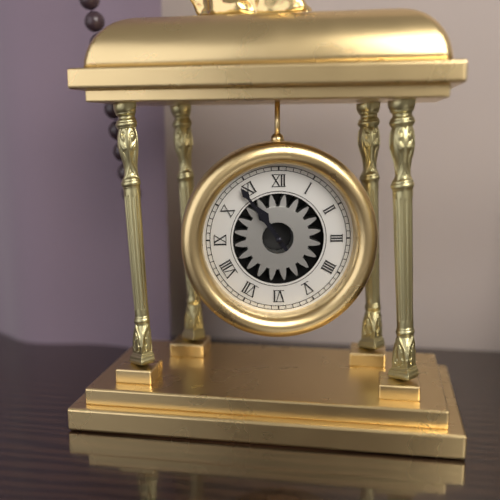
10,54
